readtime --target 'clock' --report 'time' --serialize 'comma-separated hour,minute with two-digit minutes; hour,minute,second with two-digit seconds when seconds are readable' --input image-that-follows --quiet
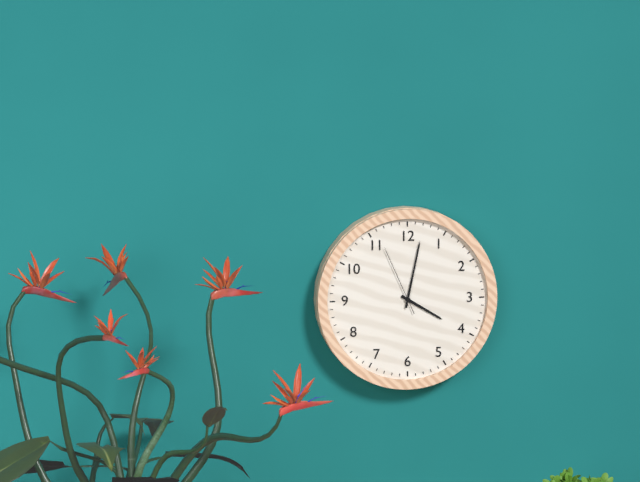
4,02,56
